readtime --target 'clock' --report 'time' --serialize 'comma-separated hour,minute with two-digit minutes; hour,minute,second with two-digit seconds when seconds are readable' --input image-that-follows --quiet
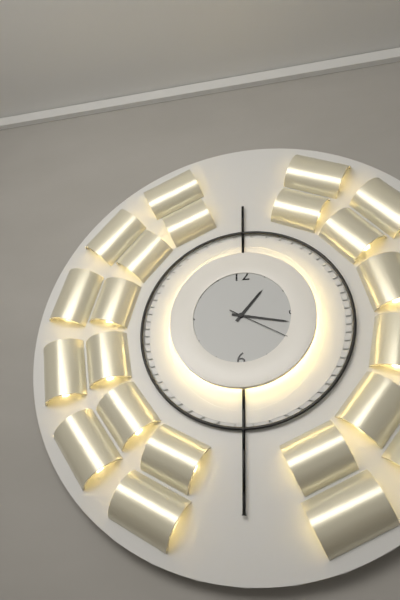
1,17,20
